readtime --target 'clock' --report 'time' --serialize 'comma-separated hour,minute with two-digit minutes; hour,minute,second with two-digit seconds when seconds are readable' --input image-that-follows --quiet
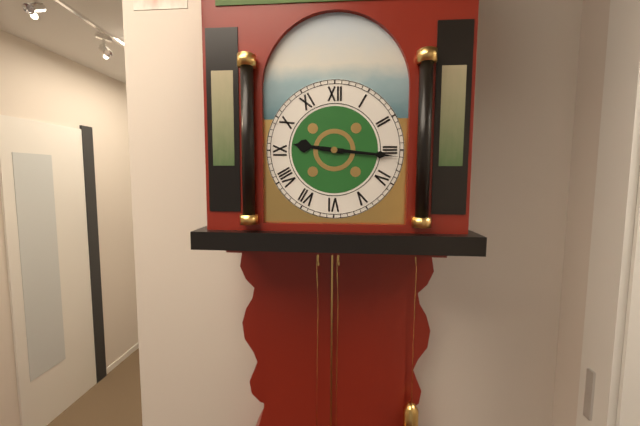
9,16
